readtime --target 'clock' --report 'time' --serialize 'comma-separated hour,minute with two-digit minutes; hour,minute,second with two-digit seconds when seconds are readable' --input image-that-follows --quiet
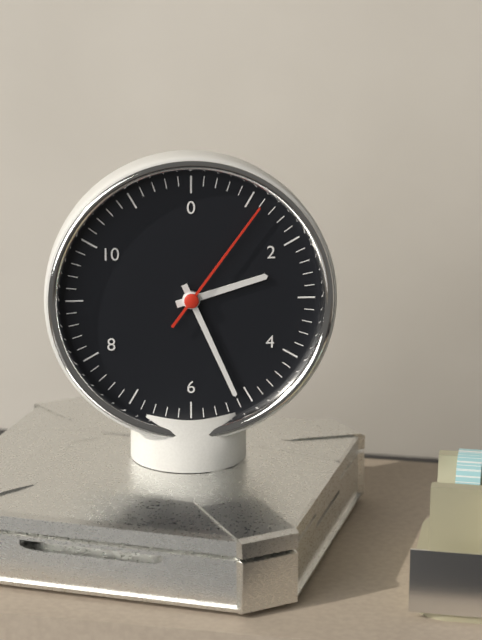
2,26,06
